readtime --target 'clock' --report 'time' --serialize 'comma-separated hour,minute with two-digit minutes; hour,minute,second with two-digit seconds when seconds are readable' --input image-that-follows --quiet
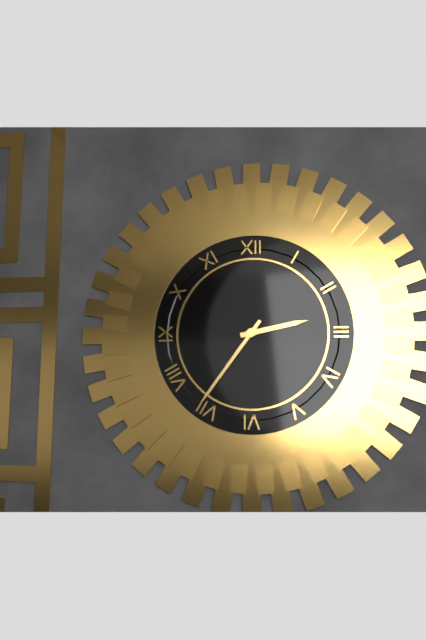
2,36
